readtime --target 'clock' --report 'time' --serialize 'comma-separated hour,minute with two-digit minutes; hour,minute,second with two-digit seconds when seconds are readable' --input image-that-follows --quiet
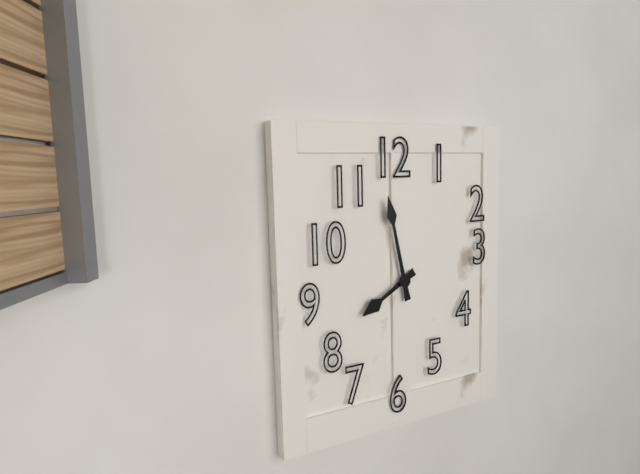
7,58
